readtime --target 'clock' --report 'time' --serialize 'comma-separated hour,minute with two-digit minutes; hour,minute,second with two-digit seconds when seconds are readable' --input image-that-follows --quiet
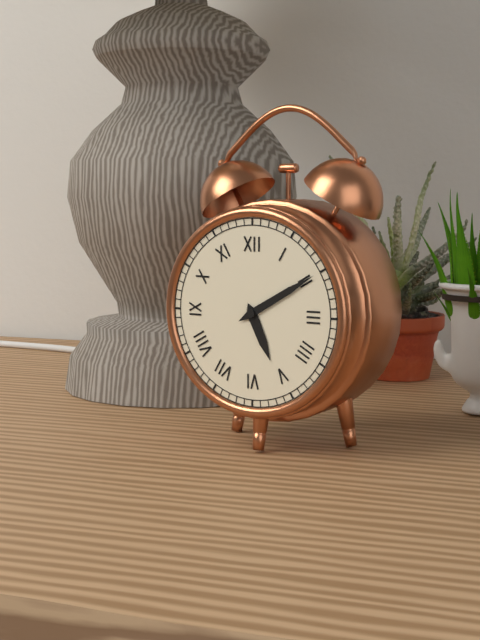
5,10
